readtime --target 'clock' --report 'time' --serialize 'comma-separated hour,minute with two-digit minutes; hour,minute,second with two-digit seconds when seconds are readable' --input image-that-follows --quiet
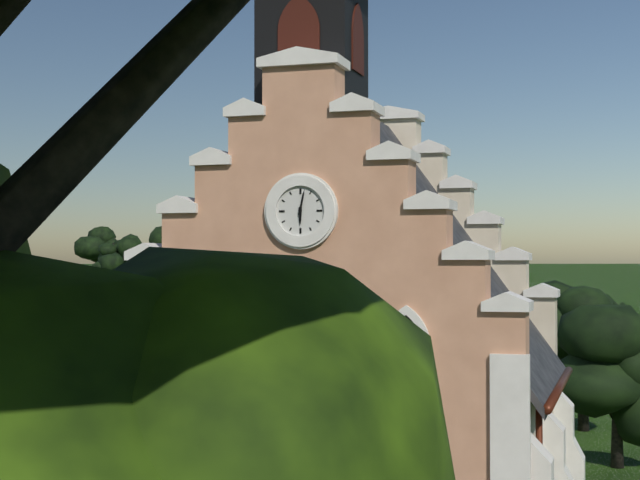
6,02
